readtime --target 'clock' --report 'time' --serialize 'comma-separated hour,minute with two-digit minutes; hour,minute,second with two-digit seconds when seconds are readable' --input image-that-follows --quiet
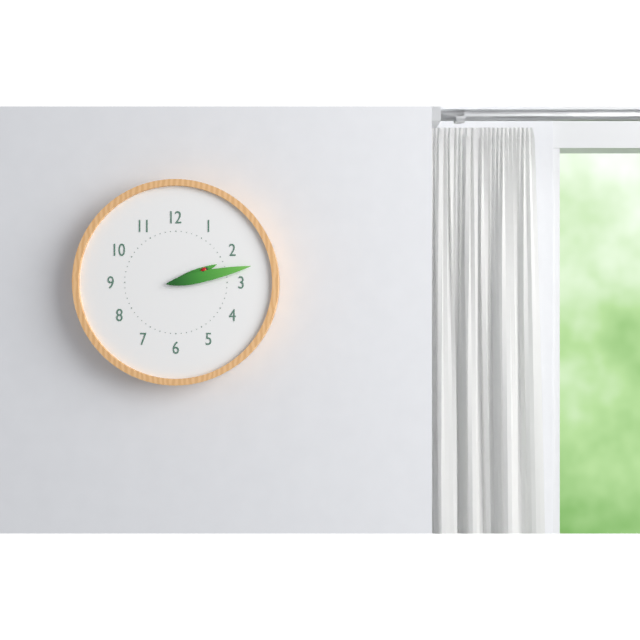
2,13
